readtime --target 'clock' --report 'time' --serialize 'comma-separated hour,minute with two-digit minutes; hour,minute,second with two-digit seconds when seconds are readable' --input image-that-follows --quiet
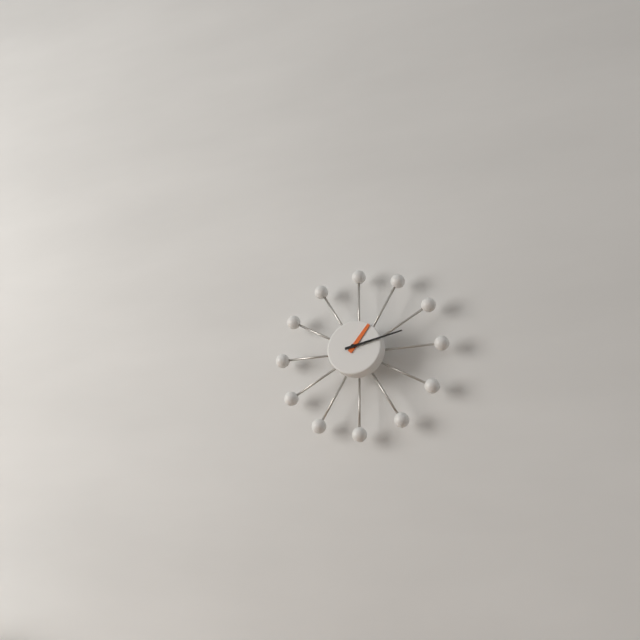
1,13
